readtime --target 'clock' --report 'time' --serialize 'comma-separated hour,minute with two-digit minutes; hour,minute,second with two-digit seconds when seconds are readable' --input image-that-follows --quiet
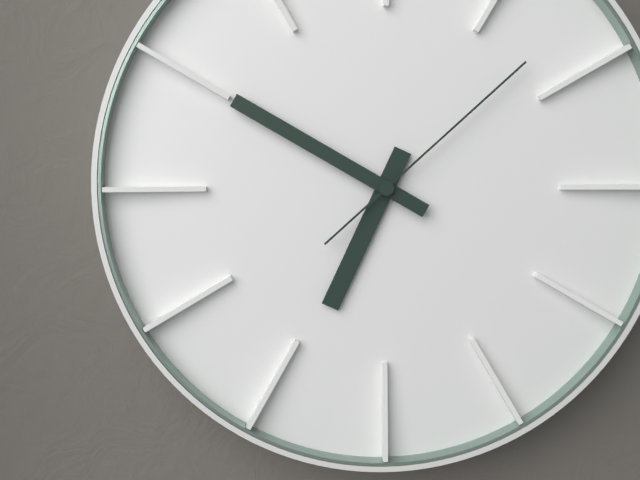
6,50,08
